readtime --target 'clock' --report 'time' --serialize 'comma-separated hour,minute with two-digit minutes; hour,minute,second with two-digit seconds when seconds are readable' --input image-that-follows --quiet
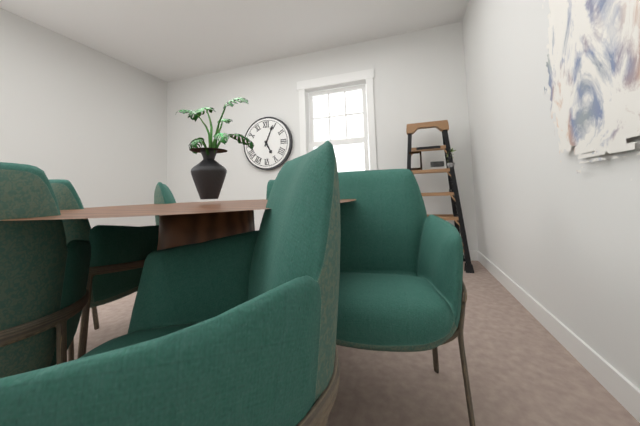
5,04
